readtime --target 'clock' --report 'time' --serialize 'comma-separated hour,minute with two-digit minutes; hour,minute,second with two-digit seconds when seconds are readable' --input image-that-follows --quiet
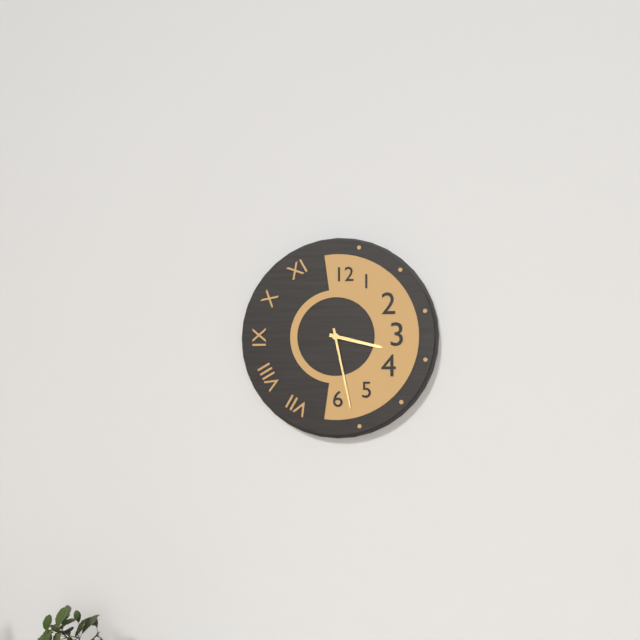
3,28
